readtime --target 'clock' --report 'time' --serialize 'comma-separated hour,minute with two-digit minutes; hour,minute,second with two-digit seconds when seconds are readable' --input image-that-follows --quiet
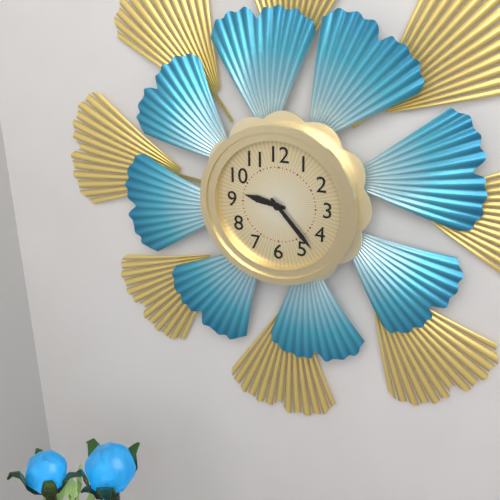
9,23
